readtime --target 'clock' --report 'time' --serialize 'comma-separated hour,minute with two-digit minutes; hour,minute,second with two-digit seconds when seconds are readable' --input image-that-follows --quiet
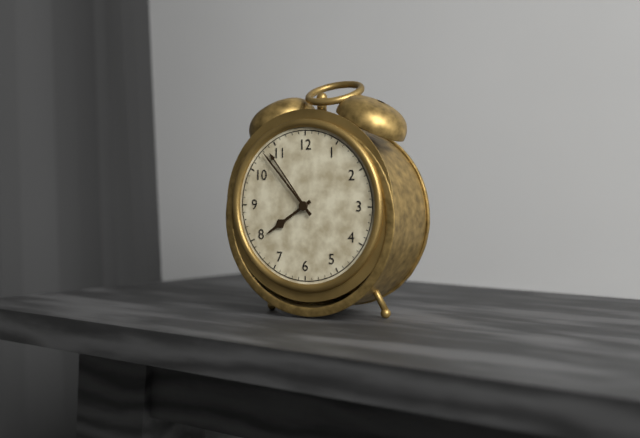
7,53
